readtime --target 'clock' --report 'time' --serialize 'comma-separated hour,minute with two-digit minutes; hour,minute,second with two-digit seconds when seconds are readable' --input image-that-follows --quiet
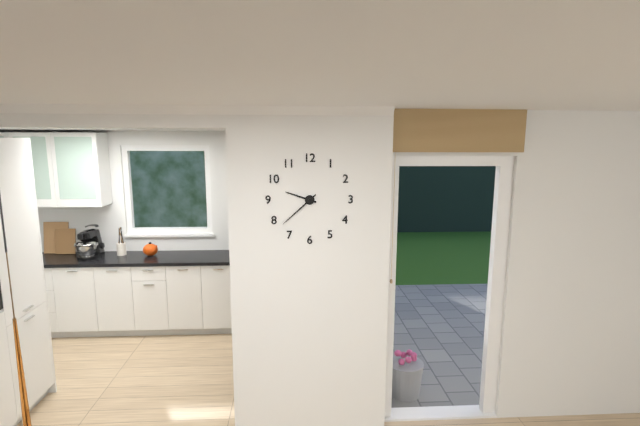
9,38
